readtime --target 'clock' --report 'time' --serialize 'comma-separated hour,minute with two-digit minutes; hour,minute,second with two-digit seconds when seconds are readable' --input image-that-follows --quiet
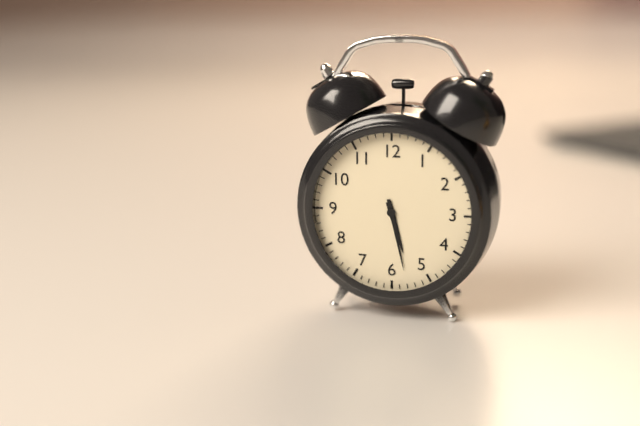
5,28
